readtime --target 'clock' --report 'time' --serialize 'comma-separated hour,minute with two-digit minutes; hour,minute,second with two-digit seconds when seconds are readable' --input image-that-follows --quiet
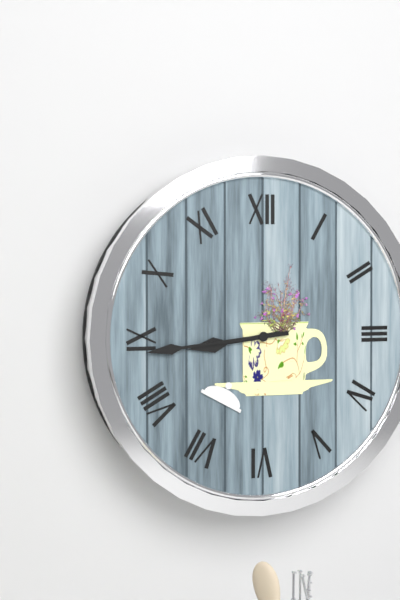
8,44
